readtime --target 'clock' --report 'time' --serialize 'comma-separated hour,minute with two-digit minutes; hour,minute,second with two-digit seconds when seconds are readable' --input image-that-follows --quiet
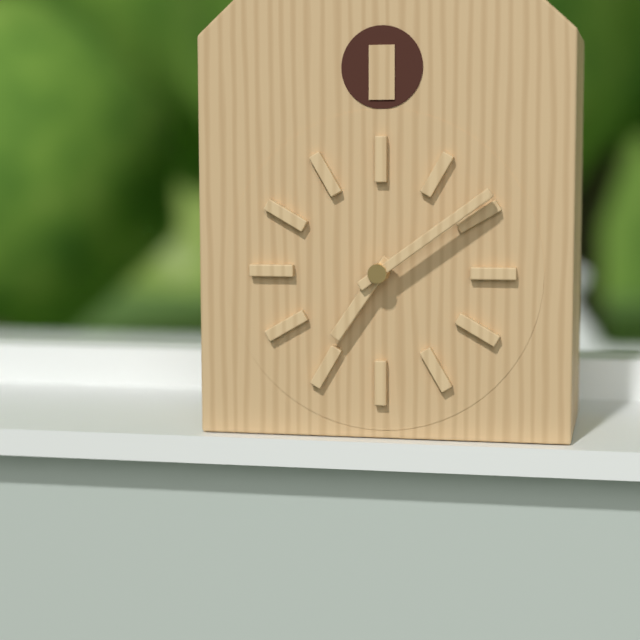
7,09
